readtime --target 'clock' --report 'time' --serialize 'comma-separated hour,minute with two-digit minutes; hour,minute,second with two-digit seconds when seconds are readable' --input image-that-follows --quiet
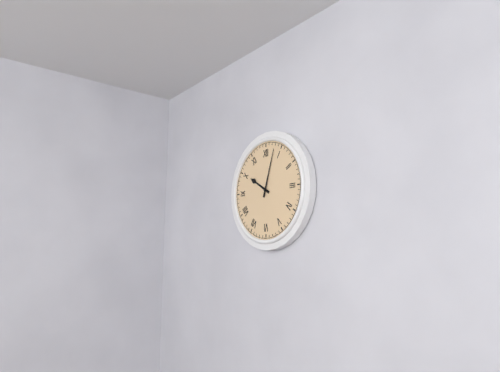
10,03
